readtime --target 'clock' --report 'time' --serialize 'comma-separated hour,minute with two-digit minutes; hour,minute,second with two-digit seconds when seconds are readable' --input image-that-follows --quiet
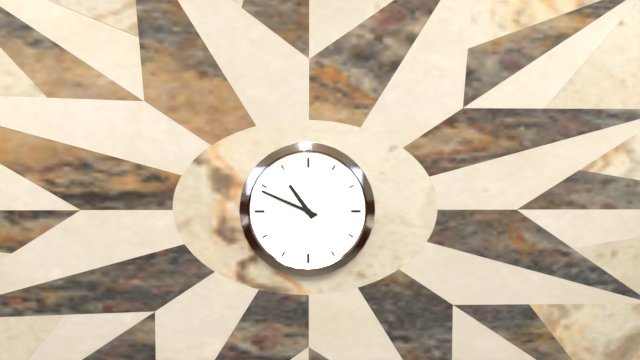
10,49
